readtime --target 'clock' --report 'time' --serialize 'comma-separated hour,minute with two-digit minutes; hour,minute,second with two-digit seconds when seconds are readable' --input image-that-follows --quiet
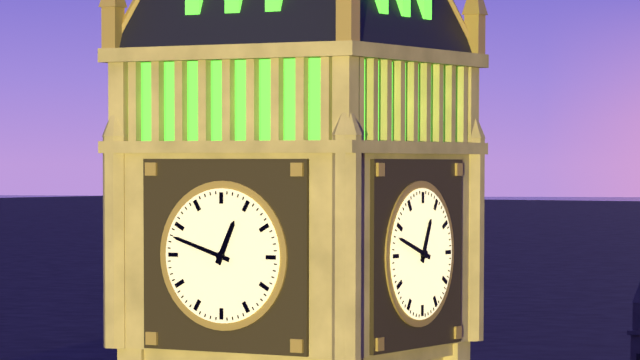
12,48
